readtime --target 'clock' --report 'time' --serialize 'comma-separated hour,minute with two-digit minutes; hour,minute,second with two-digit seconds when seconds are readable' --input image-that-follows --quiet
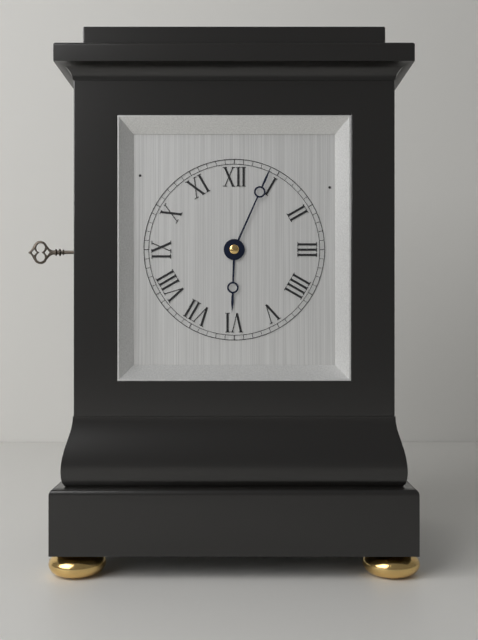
6,04
